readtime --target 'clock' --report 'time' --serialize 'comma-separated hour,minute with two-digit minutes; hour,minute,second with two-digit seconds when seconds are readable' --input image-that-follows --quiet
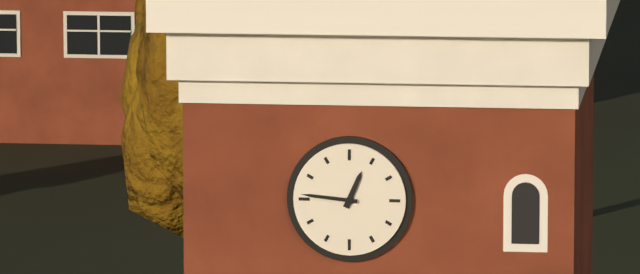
12,46
